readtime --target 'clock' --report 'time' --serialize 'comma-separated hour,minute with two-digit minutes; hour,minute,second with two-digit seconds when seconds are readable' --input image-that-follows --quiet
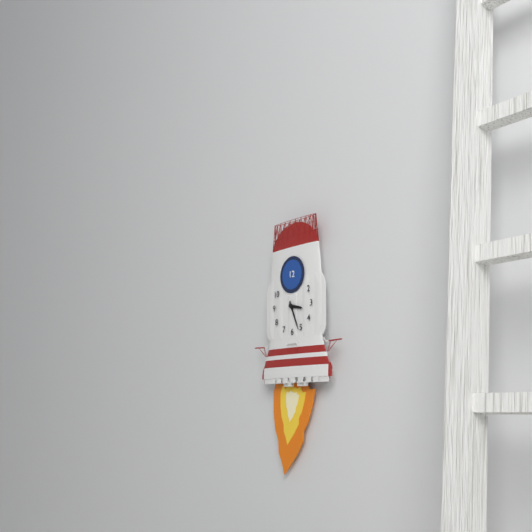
3,26
